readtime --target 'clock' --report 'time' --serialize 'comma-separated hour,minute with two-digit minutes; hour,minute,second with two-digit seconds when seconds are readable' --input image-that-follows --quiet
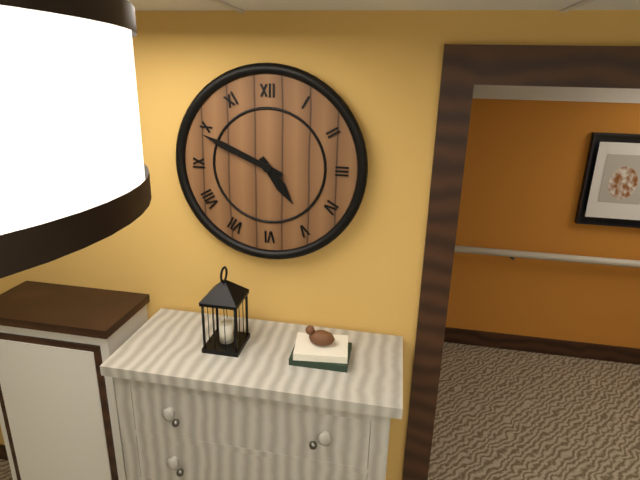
4,49
